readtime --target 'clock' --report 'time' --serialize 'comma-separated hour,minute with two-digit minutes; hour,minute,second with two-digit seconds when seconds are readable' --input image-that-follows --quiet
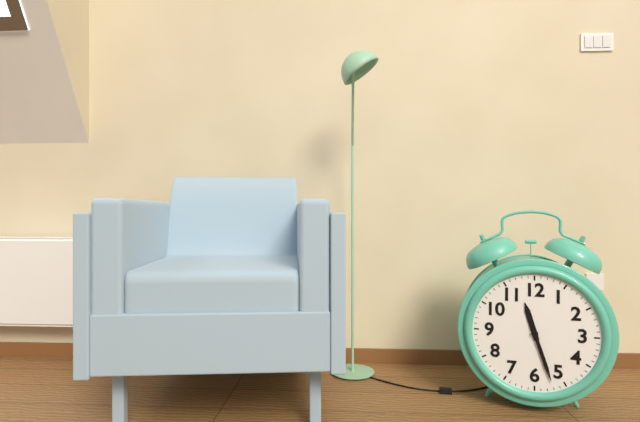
11,27
